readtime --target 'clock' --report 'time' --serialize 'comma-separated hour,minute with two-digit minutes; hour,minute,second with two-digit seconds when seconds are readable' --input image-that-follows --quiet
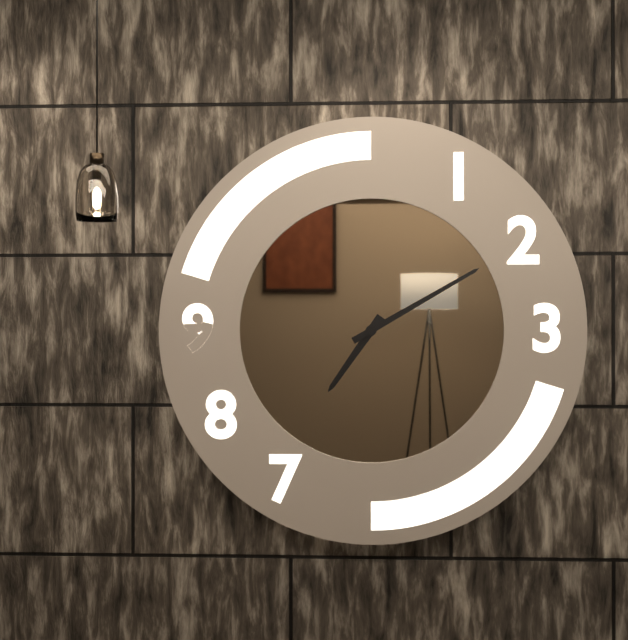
7,10
